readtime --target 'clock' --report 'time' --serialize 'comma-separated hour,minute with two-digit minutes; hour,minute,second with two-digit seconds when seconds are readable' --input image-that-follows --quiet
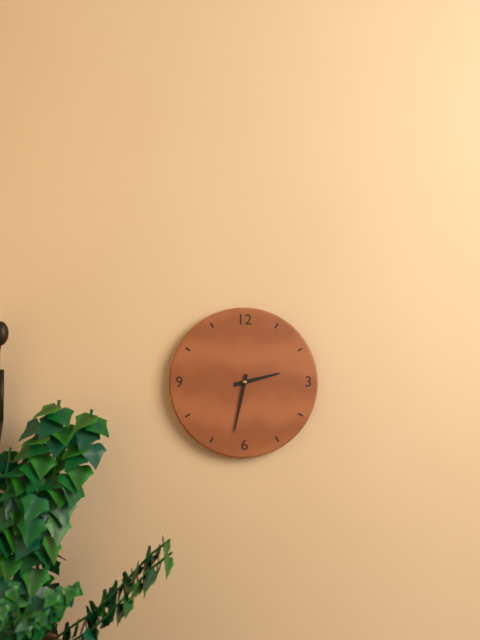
2,32
